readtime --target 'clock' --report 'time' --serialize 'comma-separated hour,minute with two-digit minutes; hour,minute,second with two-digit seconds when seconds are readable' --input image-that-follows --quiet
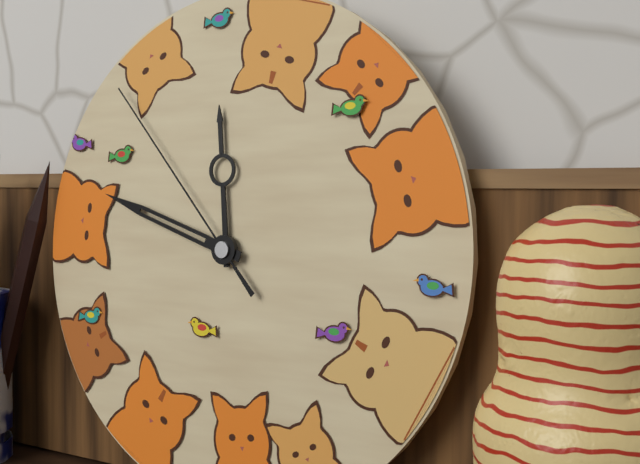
11,48,53
